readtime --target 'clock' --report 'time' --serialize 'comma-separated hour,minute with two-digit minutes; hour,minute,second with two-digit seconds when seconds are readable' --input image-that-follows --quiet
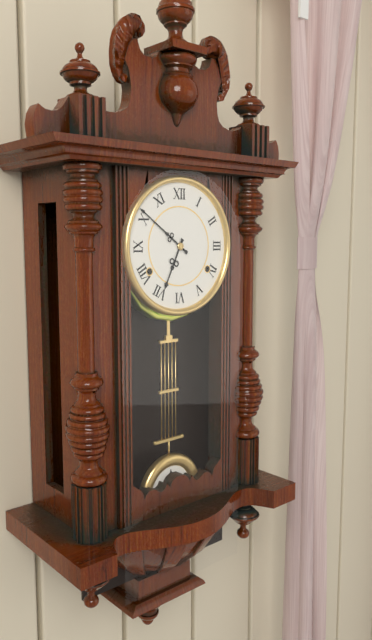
6,51
